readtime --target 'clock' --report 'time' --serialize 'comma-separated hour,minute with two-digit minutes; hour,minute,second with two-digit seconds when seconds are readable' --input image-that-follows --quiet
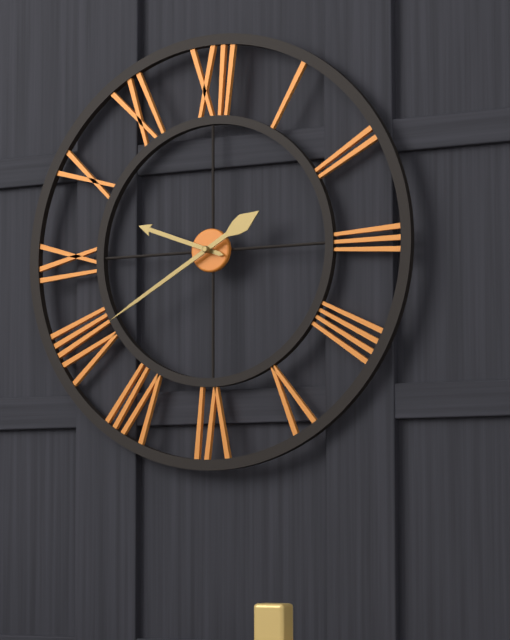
9,40
